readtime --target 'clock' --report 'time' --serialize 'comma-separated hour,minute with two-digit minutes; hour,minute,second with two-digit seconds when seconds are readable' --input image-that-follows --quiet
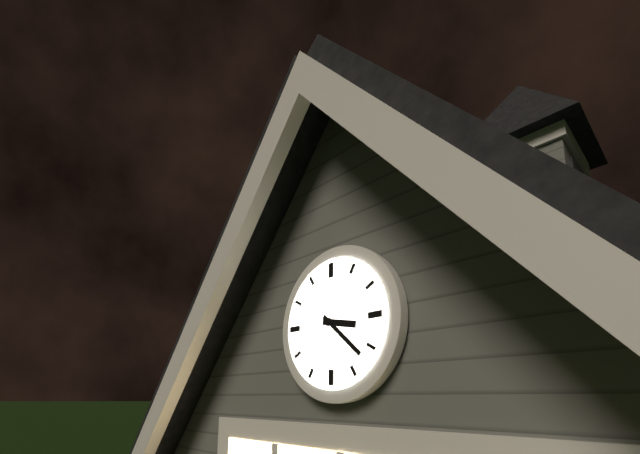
3,22
